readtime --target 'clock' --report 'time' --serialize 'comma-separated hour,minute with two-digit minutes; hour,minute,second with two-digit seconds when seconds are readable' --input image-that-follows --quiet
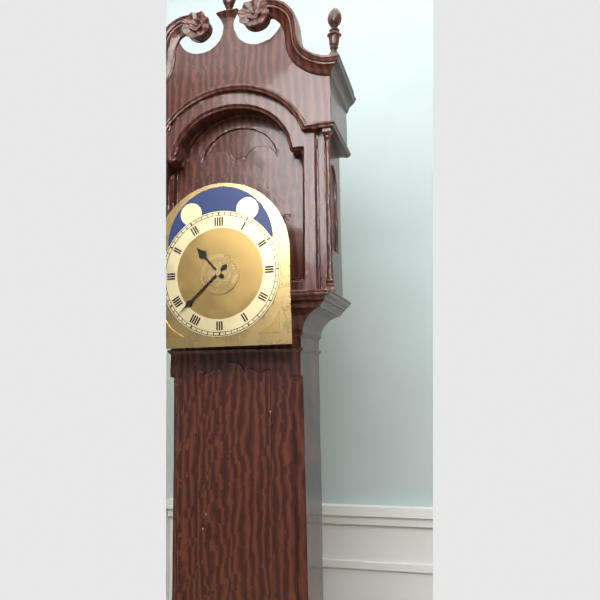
10,38
